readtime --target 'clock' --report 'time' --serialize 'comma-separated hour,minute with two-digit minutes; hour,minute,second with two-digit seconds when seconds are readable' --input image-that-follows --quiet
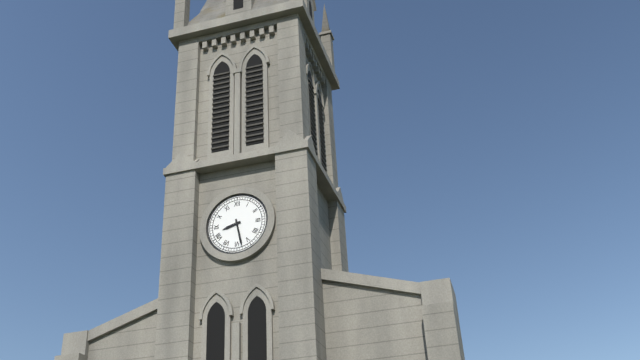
8,28
